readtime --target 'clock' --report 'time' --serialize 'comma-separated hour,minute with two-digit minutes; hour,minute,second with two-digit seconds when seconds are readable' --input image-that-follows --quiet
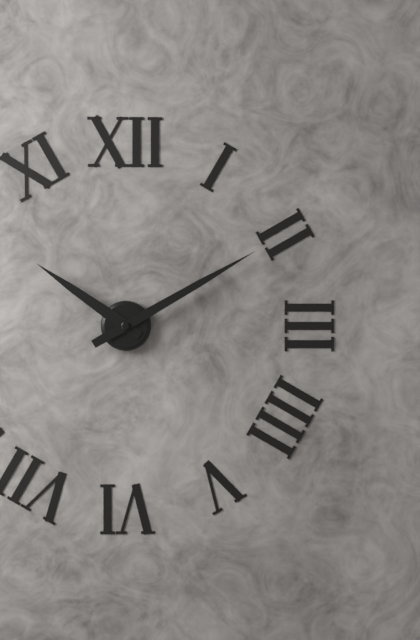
10,10
